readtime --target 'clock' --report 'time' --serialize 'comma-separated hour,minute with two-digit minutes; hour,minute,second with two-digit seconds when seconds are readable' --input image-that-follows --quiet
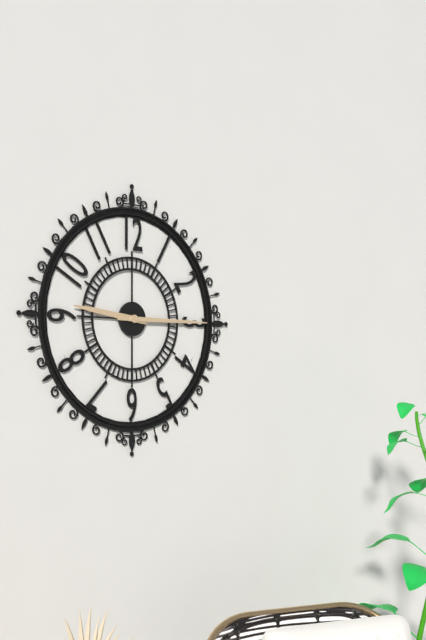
9,15
